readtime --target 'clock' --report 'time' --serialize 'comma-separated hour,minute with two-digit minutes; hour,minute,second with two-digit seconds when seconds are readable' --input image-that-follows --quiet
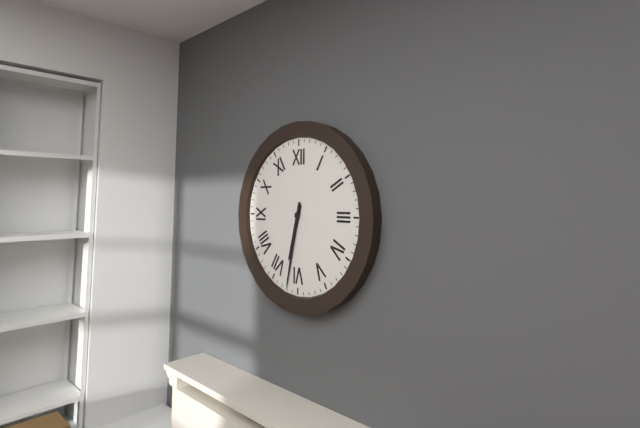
6,32
